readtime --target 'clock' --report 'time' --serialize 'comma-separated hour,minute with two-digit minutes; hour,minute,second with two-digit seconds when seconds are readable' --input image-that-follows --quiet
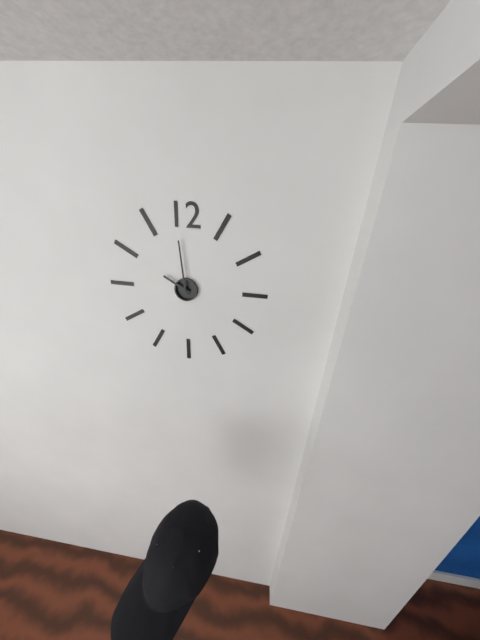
9,59
